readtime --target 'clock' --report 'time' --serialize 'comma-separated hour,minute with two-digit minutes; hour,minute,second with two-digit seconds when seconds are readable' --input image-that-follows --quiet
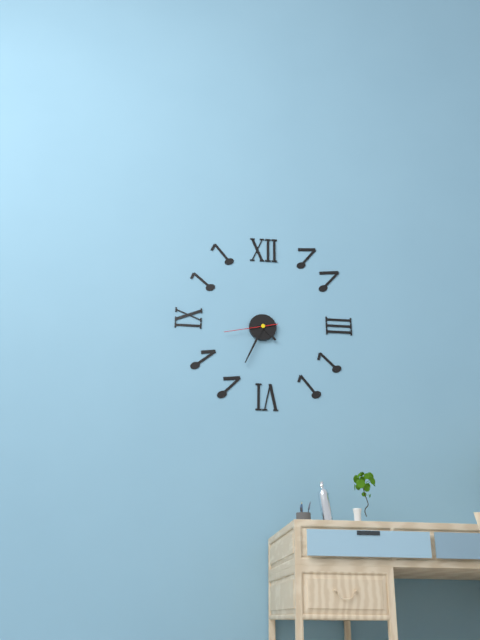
4,34
